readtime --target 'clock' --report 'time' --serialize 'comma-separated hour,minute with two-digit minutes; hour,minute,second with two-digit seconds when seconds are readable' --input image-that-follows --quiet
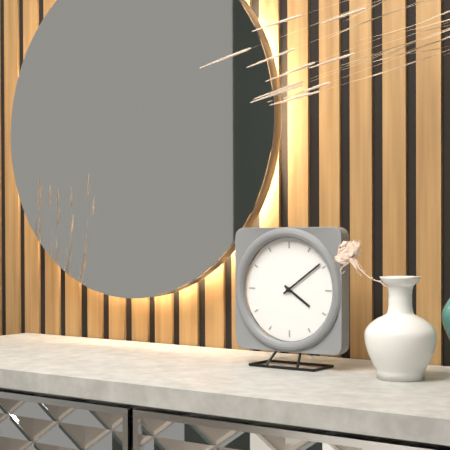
4,09
